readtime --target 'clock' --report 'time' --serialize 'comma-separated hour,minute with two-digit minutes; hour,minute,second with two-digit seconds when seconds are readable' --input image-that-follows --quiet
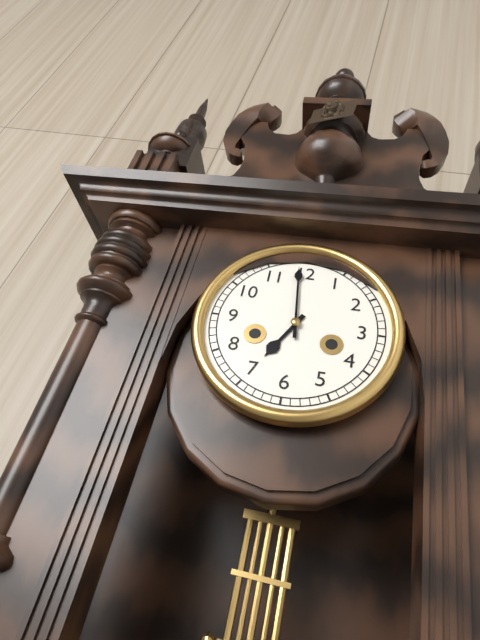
6,59
